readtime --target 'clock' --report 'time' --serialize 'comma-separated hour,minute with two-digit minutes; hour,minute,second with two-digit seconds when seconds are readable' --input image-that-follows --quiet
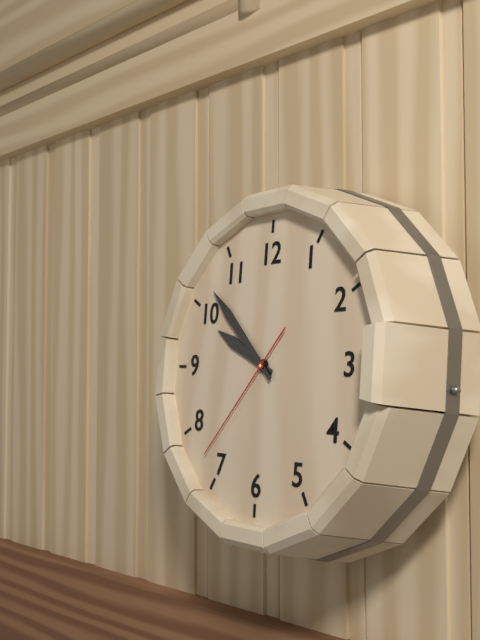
9,52,37
